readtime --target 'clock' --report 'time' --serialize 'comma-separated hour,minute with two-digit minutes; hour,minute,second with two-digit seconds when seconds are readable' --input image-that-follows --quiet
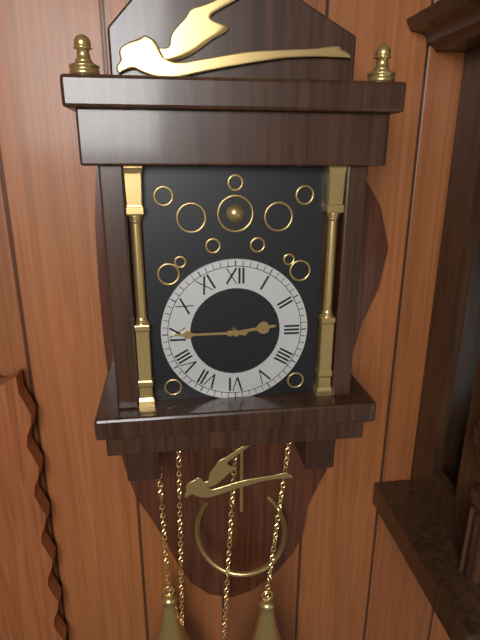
2,45
